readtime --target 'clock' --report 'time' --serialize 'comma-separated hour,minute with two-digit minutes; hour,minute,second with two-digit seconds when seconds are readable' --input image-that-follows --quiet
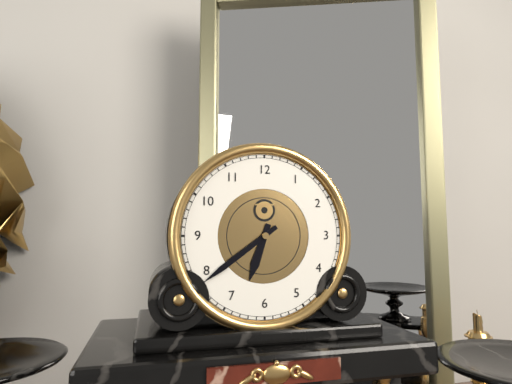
6,39
